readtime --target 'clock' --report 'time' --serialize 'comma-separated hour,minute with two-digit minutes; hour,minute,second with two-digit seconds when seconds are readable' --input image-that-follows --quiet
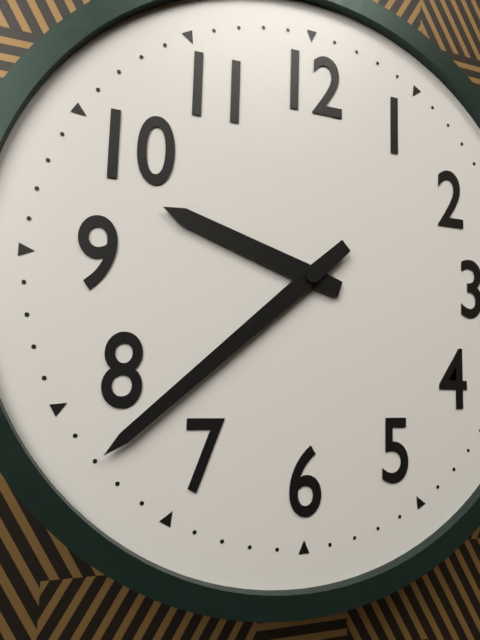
9,38
